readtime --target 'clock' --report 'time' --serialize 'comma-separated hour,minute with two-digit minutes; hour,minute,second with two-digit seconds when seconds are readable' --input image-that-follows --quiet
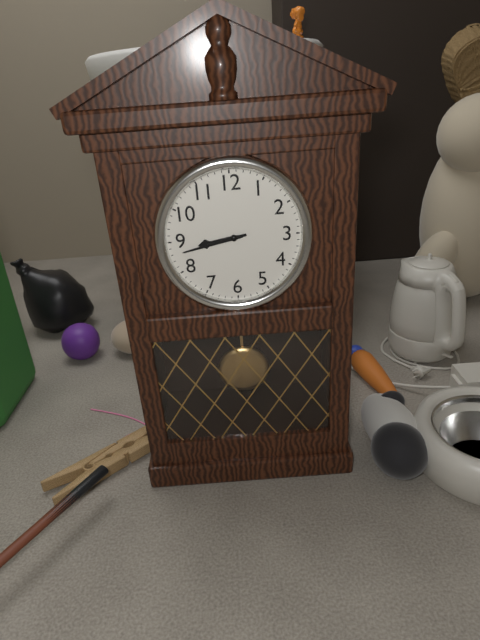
8,43
